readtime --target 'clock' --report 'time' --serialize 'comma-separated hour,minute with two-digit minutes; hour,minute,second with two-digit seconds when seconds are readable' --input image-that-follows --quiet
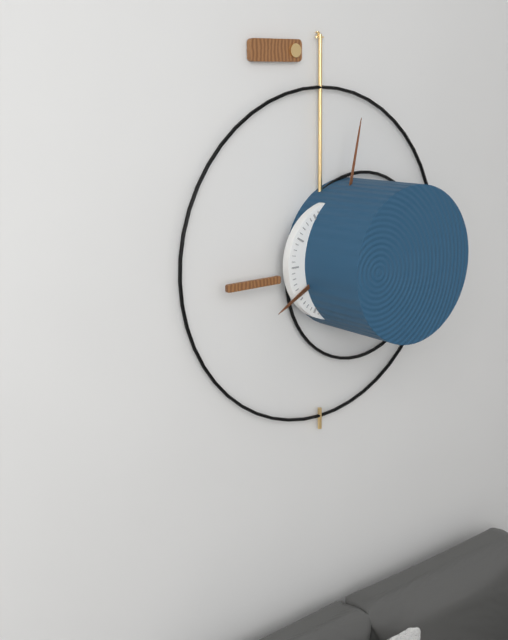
8,02
